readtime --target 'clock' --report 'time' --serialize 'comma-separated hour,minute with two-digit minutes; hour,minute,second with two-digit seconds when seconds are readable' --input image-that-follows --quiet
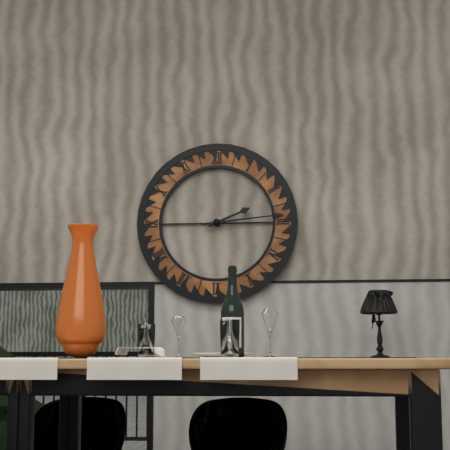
2,14
